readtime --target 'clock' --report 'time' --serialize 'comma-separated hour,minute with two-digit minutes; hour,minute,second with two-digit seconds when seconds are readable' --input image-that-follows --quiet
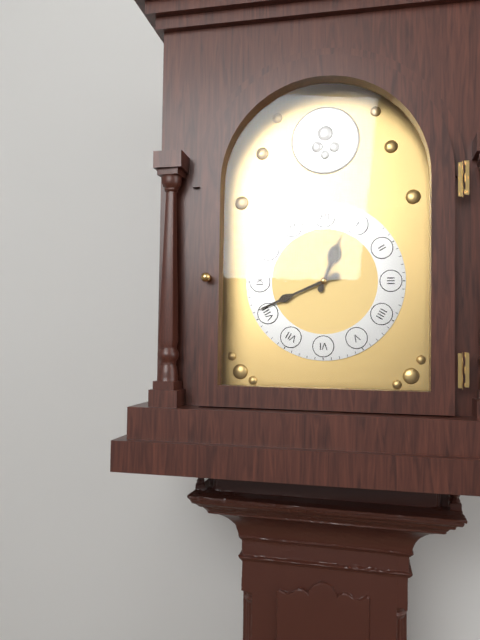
12,41
